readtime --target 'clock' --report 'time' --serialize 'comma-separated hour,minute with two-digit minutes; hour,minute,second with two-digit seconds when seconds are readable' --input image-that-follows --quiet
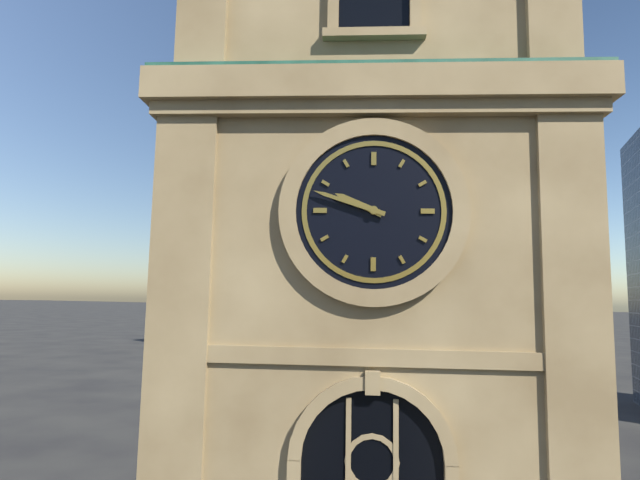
9,48
